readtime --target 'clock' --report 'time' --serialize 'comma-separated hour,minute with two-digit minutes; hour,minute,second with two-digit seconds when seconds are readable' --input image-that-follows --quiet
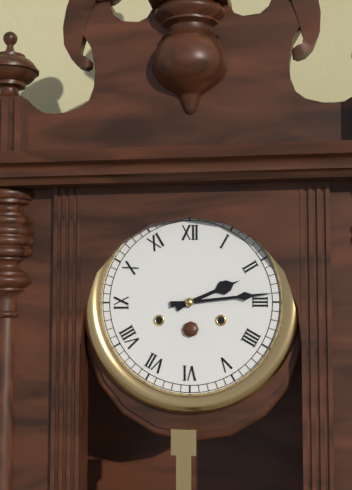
2,14
